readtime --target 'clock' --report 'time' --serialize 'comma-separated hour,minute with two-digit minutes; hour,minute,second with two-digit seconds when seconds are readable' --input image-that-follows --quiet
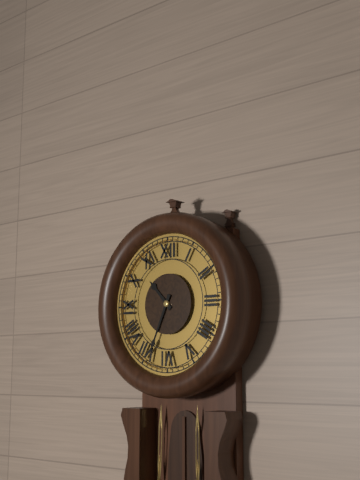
10,34
